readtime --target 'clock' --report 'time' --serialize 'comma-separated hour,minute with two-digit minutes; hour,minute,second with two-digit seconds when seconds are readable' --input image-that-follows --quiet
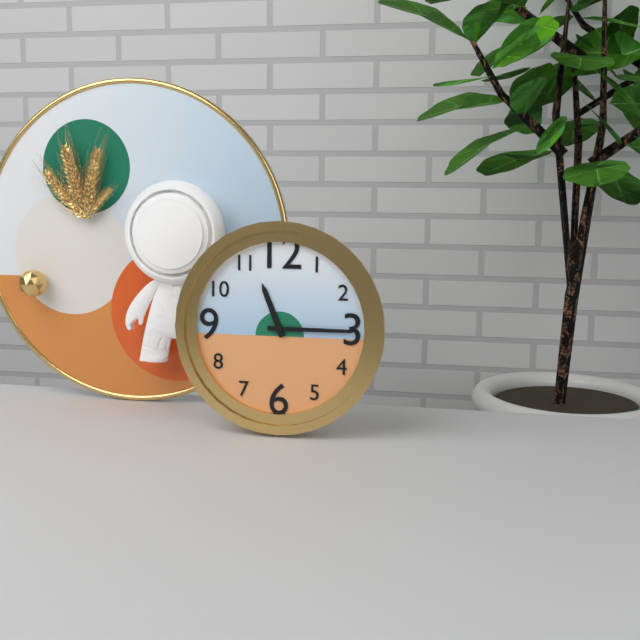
11,15
